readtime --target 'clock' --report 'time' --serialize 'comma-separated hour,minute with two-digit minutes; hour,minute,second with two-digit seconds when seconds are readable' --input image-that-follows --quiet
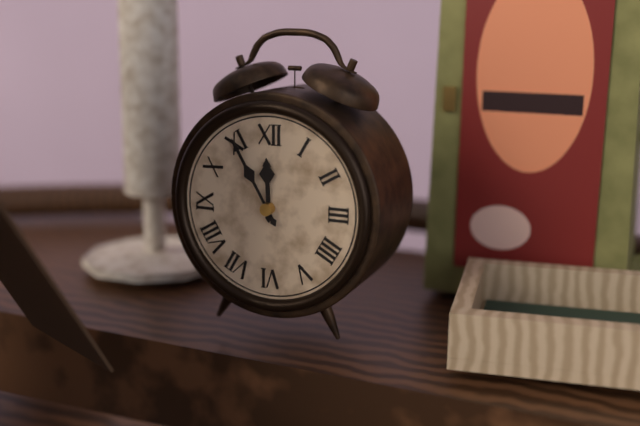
11,55
